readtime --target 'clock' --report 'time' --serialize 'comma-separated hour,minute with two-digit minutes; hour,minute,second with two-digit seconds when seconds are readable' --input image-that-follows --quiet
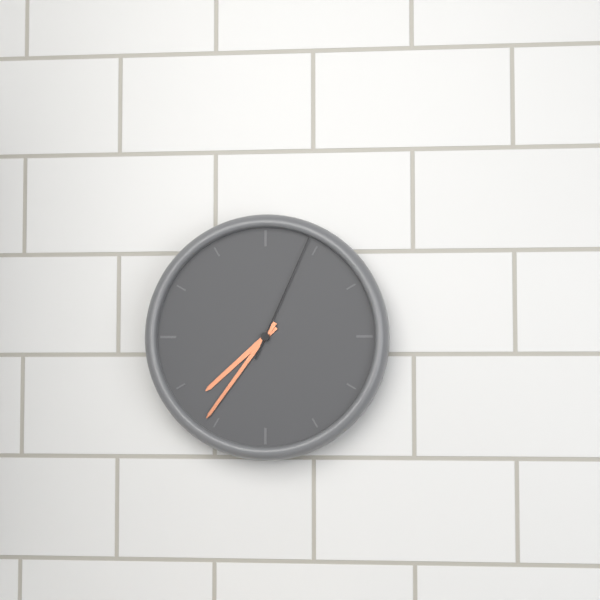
7,36,04
